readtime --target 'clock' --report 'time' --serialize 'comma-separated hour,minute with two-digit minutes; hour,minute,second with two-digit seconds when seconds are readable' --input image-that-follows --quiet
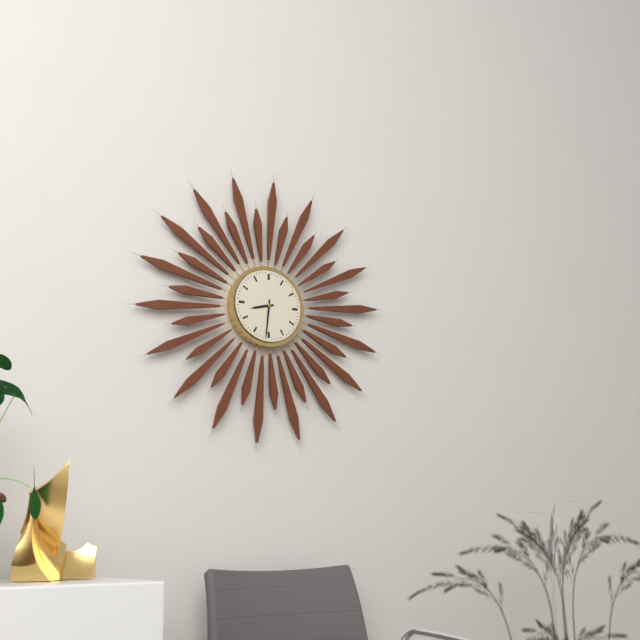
8,31
